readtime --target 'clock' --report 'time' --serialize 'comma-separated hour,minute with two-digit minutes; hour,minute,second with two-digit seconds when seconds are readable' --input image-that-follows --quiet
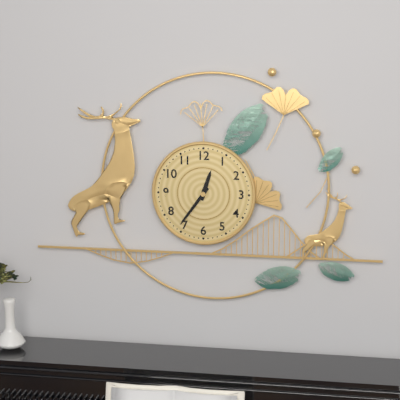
12,36
